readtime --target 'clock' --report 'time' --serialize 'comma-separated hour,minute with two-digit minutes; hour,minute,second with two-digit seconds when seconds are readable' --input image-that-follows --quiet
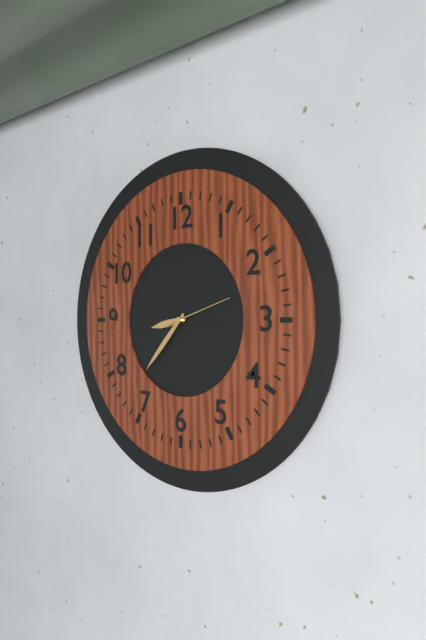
8,37,12
